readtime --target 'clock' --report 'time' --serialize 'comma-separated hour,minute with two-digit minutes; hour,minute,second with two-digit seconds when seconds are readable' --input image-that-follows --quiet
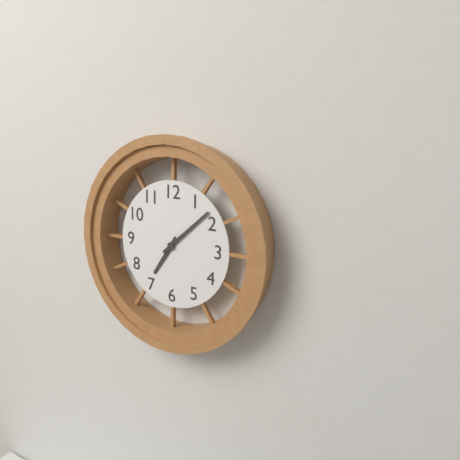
7,08
